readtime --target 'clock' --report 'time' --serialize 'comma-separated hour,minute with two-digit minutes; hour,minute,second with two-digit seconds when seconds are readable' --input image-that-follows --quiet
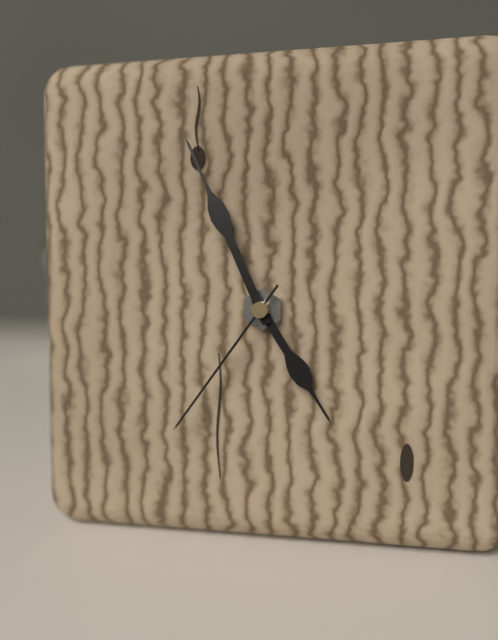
4,56,36
